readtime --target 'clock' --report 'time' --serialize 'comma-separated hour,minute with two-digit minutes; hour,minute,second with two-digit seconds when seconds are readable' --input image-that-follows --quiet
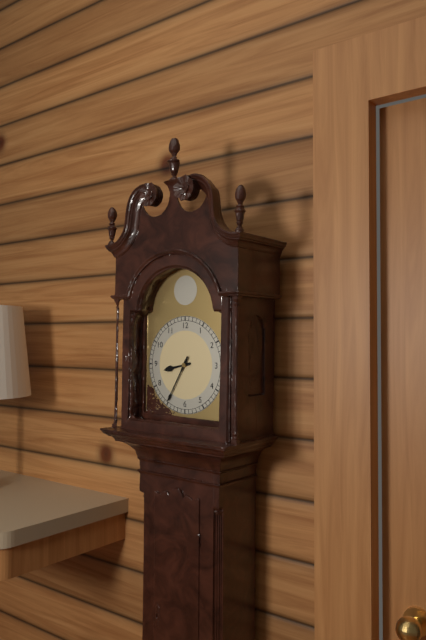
8,35
